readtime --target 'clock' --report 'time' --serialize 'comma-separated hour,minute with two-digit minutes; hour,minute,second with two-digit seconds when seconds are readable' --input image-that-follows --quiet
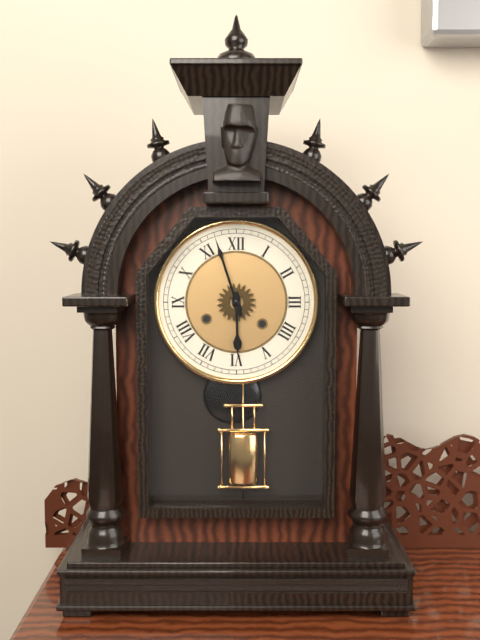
5,57
